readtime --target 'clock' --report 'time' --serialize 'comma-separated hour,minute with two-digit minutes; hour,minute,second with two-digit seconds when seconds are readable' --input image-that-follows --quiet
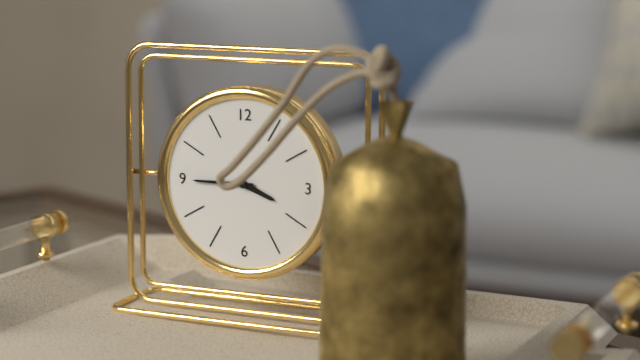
3,45
